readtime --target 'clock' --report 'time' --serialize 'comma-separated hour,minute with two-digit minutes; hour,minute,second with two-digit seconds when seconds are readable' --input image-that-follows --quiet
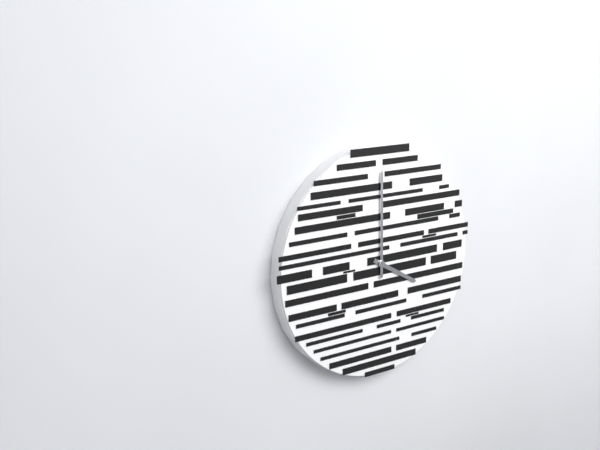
4,00
